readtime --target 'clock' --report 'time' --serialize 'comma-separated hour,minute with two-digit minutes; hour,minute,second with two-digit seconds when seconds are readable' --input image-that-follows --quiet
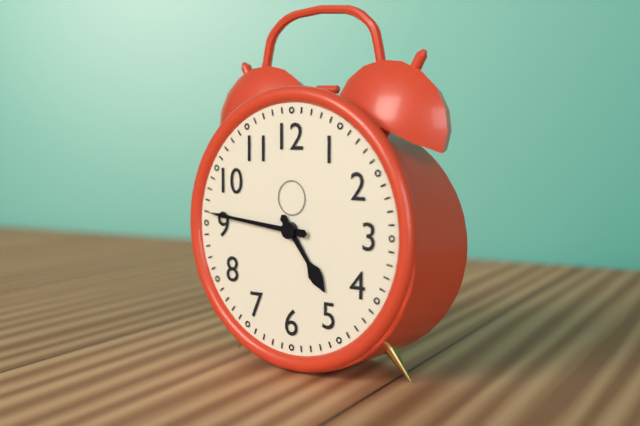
4,46
